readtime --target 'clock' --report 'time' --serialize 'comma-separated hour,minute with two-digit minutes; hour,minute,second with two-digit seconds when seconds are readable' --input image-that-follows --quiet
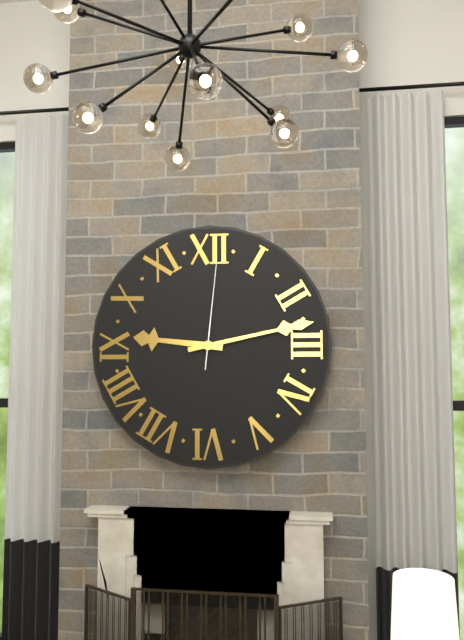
9,13,01
